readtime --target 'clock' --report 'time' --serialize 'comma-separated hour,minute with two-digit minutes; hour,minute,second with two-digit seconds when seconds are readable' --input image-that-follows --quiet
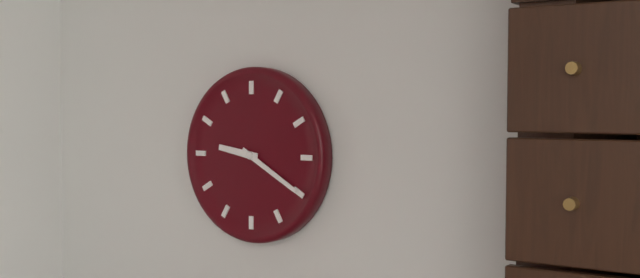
9,20
